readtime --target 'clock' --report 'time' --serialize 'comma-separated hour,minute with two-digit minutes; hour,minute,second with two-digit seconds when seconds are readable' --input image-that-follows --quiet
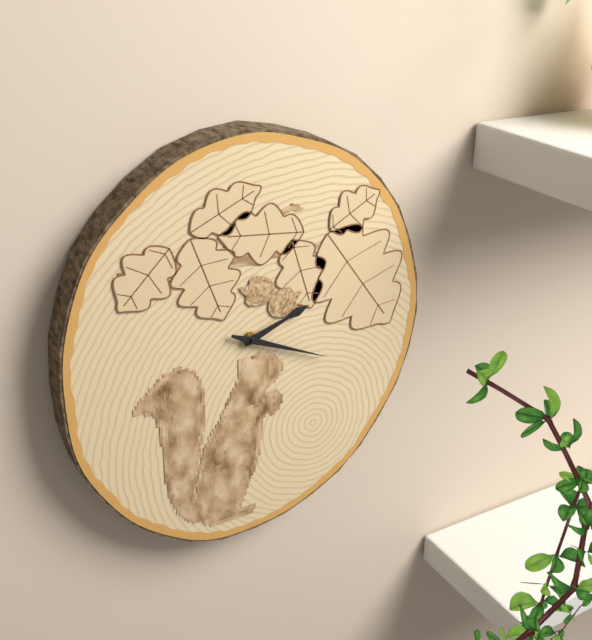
2,19
